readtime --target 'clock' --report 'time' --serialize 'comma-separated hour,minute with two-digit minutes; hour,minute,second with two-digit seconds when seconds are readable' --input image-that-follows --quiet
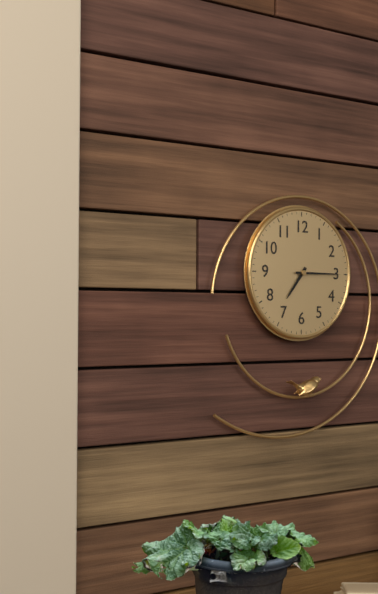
7,15
